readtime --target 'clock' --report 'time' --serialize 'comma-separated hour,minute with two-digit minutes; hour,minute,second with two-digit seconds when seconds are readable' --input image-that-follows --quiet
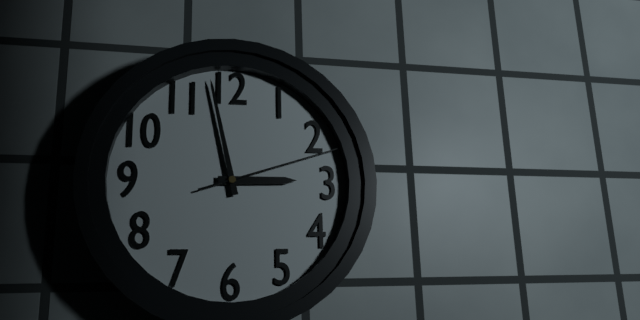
2,58,12
